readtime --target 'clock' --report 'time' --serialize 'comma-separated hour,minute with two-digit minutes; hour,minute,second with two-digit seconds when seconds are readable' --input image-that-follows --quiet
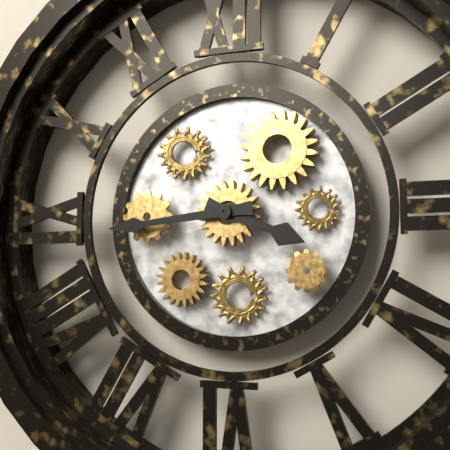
3,44
